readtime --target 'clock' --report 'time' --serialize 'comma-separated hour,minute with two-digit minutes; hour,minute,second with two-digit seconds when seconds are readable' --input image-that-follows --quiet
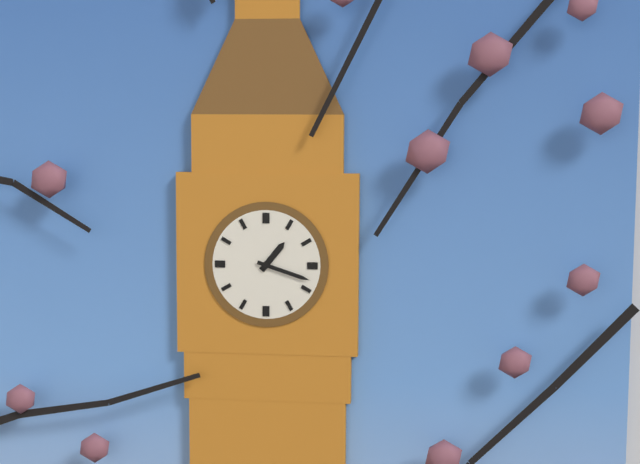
1,18
